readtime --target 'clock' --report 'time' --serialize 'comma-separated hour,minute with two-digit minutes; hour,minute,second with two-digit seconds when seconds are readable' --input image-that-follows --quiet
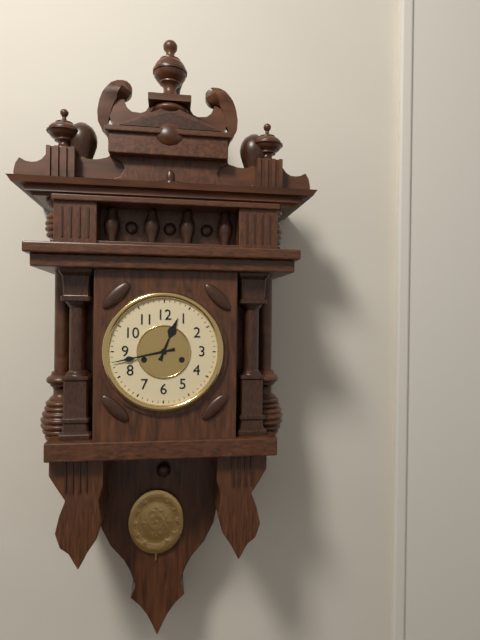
12,43
